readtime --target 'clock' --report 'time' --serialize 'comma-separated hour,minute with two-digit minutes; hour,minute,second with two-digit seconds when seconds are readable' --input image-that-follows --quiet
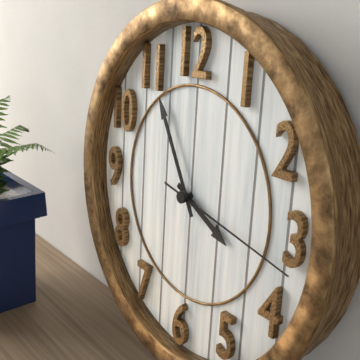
3,55,17
